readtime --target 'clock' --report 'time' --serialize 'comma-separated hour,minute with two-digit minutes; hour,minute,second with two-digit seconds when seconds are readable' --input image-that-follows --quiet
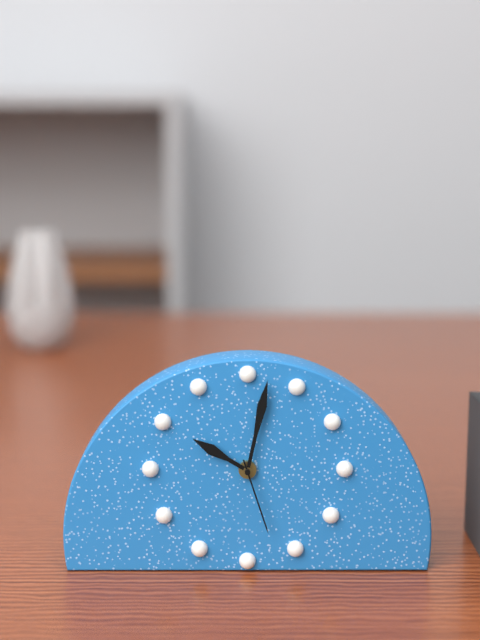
10,02,27
